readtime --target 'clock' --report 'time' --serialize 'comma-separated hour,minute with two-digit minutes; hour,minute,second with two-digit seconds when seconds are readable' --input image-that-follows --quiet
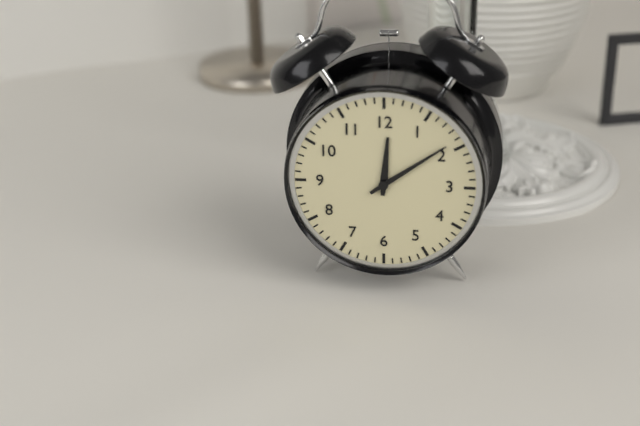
12,09
